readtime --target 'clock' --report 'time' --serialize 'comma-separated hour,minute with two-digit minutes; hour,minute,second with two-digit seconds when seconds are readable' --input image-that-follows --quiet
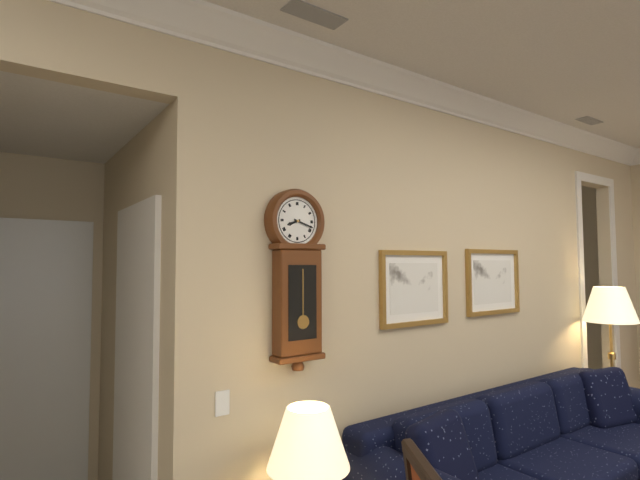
8,18
